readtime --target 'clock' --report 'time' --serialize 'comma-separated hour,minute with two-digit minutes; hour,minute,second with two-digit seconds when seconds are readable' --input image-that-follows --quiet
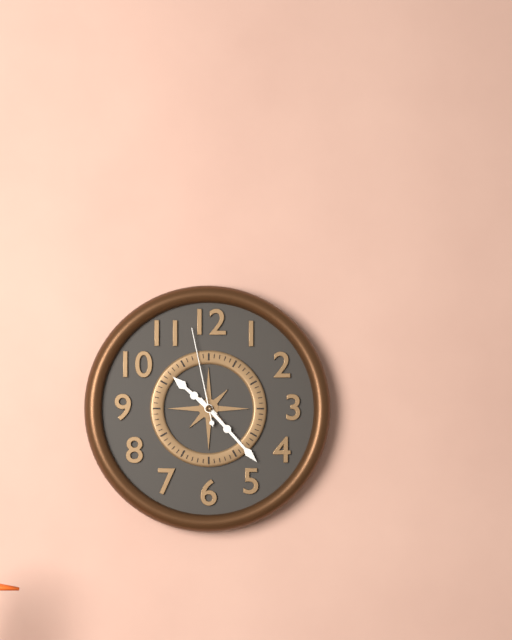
10,23,58
